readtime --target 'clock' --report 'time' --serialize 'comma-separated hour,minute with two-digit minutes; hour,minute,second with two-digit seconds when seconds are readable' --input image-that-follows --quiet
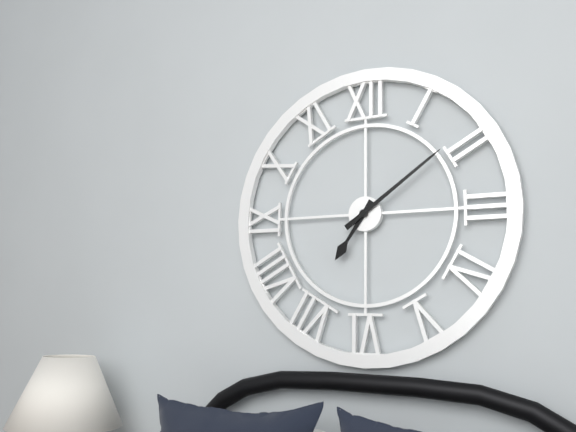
7,09
